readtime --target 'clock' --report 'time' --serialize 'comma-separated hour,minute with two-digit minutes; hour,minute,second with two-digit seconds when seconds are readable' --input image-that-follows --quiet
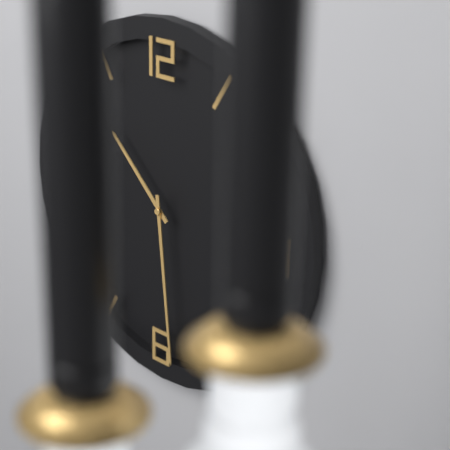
10,29
